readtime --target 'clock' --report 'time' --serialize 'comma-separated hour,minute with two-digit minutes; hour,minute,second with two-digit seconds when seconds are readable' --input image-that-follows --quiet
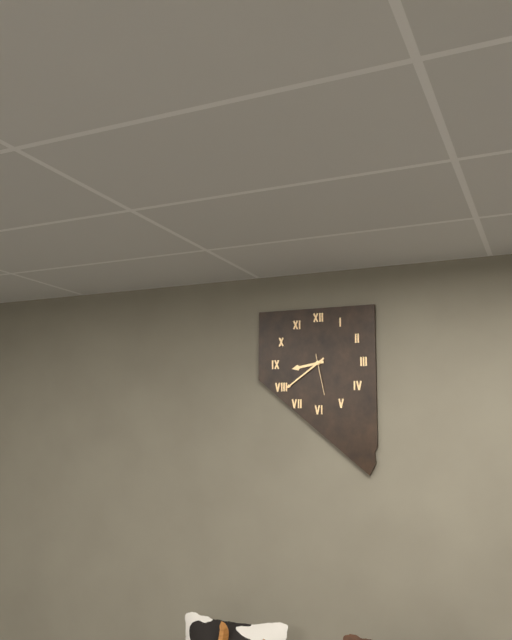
8,39
